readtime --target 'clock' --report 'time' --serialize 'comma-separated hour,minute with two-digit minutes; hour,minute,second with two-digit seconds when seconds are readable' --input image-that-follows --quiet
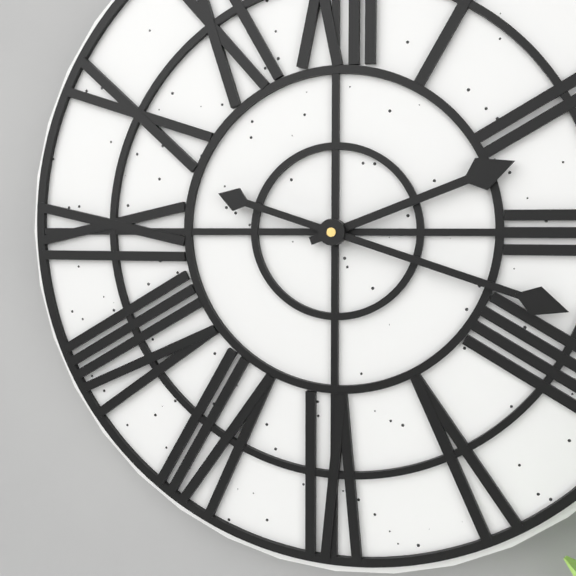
2,18
